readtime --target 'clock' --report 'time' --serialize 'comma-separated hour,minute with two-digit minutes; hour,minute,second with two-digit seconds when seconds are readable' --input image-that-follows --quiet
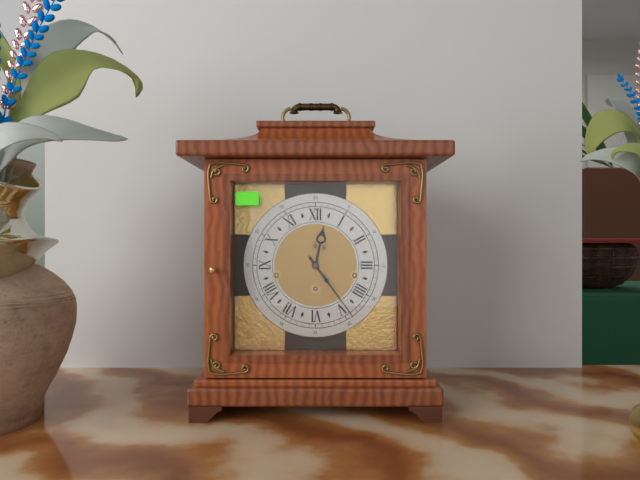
12,24
